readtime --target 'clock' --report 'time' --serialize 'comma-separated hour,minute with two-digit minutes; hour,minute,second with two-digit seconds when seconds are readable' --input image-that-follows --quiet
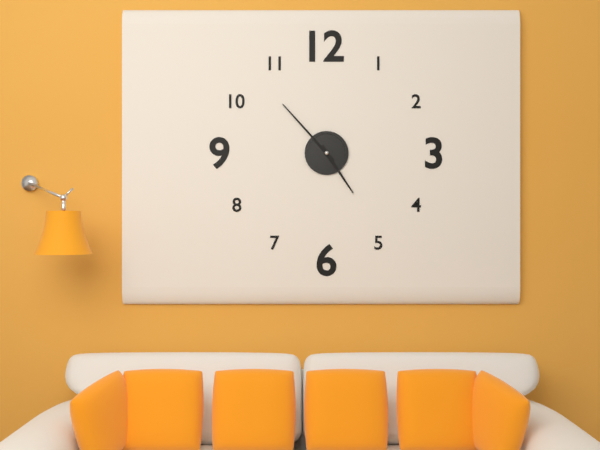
4,53
